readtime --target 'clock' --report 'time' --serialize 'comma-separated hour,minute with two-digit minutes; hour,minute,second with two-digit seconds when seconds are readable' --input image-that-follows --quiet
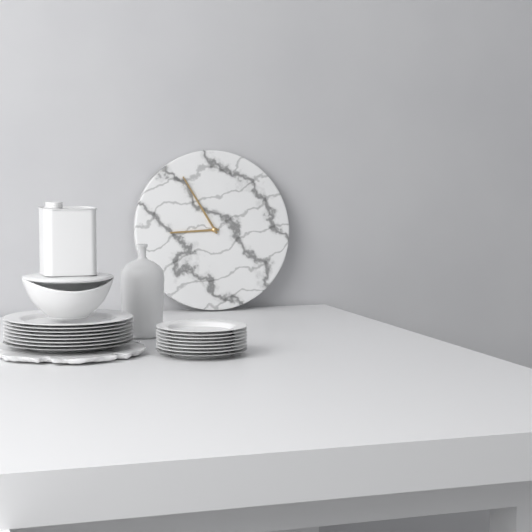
8,55
